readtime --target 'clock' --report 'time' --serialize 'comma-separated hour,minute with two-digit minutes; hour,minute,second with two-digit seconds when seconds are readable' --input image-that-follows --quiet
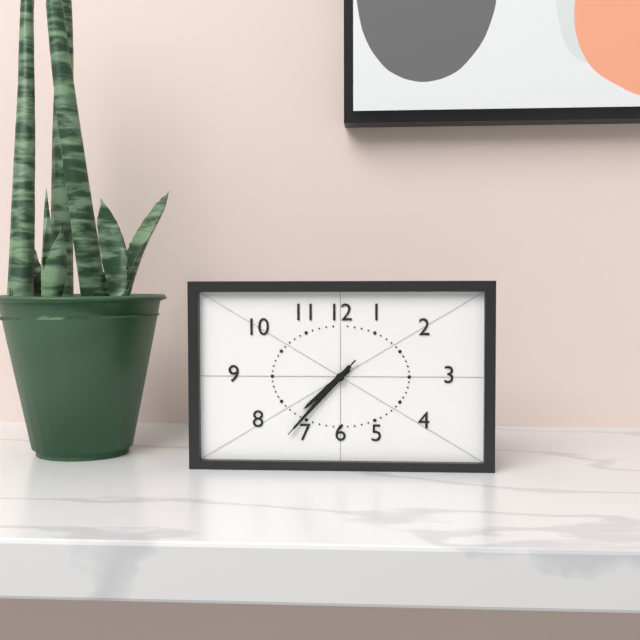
7,37,37
